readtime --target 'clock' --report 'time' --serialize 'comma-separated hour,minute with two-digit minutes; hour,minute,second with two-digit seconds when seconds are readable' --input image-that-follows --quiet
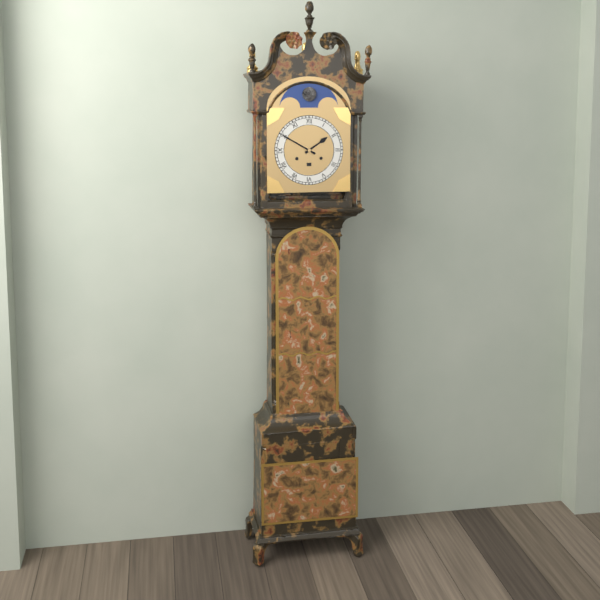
1,50
